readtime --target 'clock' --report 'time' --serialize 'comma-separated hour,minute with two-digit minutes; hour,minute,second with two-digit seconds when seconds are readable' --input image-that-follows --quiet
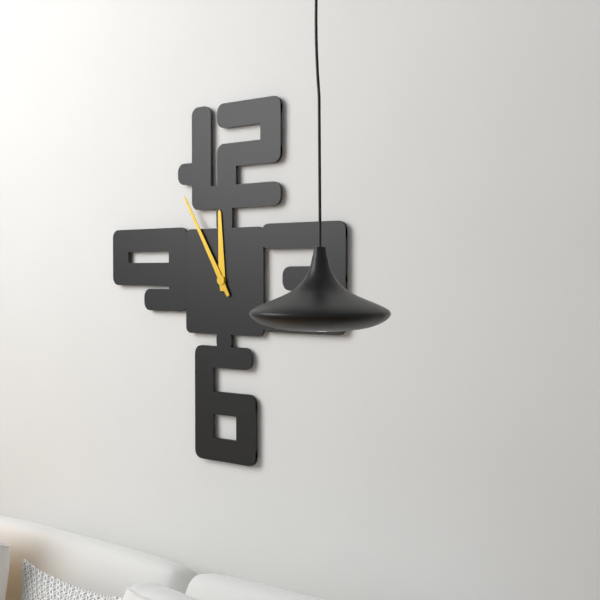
11,55
